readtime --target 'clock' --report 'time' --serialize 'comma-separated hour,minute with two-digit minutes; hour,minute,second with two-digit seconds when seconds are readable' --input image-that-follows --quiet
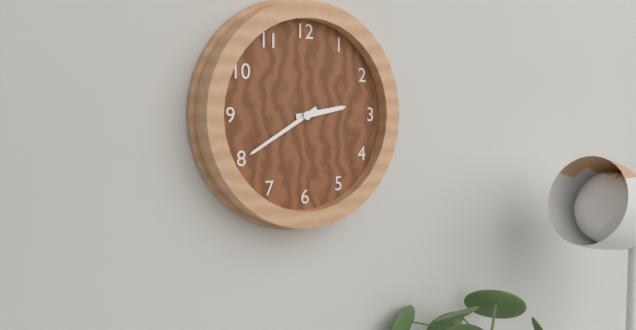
2,40
